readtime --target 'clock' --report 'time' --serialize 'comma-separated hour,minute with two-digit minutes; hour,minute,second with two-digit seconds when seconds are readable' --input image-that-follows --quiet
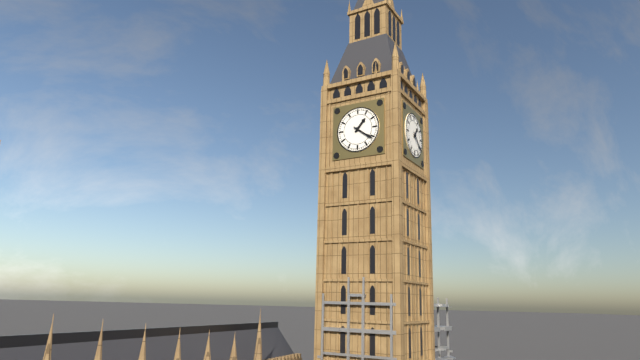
1,21
